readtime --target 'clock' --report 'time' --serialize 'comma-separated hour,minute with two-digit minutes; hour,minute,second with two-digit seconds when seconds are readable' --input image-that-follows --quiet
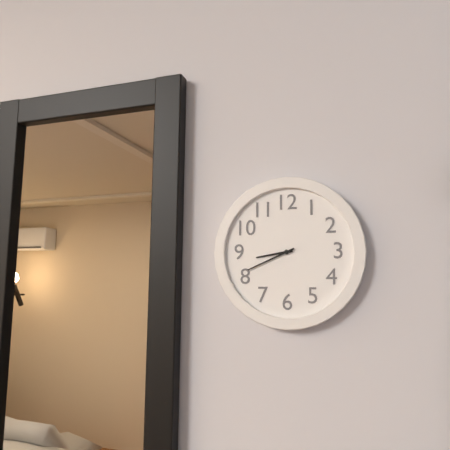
8,41
